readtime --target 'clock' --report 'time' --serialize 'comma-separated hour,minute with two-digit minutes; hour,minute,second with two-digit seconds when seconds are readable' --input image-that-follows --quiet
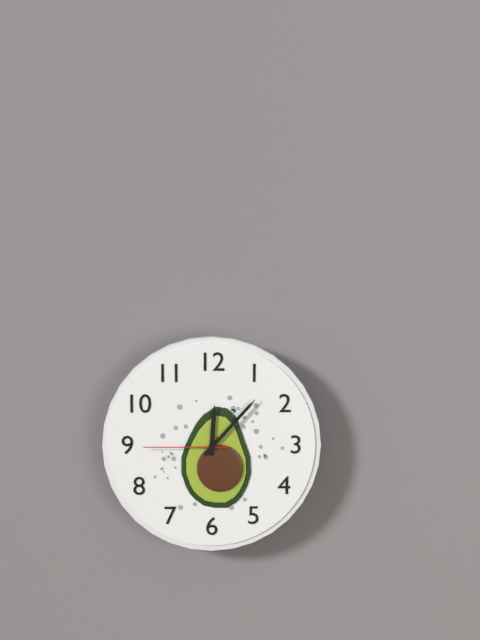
12,07,45
